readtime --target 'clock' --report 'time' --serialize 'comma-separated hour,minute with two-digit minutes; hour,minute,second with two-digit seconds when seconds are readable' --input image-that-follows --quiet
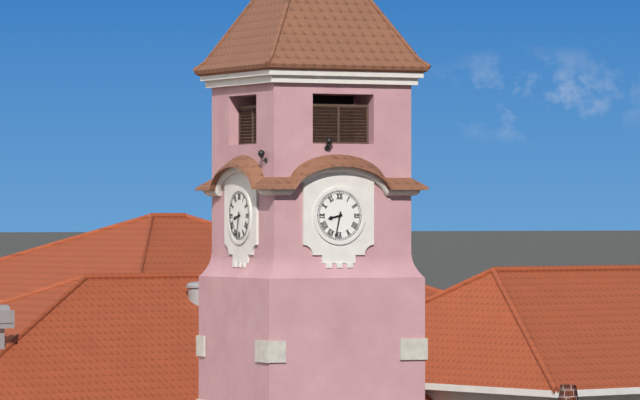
8,32
